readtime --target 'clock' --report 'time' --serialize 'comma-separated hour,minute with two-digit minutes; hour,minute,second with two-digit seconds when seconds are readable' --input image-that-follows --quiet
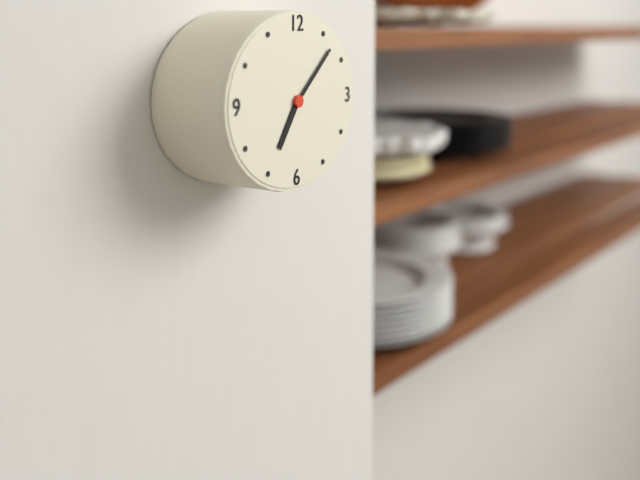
7,08
